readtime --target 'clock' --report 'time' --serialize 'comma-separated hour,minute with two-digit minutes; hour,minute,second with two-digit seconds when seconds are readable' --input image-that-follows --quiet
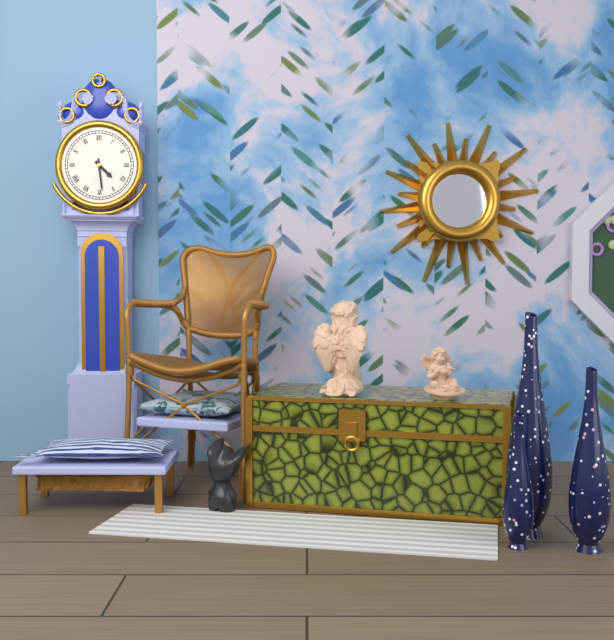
4,29
